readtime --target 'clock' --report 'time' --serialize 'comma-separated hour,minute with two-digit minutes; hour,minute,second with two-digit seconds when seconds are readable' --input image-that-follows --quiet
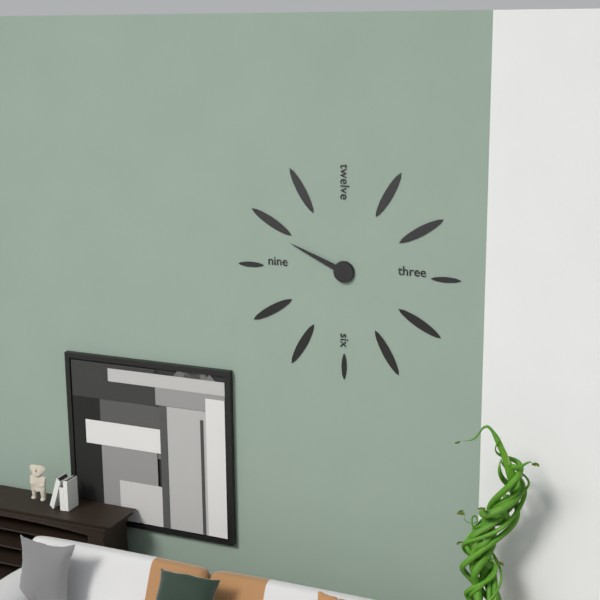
9,49
